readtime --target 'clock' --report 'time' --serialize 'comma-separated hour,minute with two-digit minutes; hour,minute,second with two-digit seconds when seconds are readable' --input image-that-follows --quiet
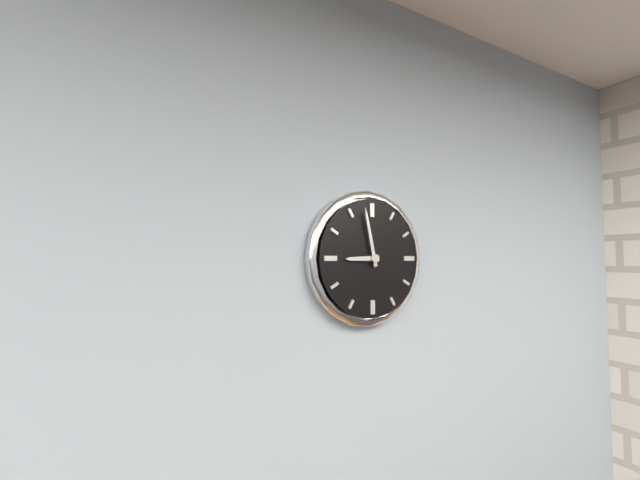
8,58
